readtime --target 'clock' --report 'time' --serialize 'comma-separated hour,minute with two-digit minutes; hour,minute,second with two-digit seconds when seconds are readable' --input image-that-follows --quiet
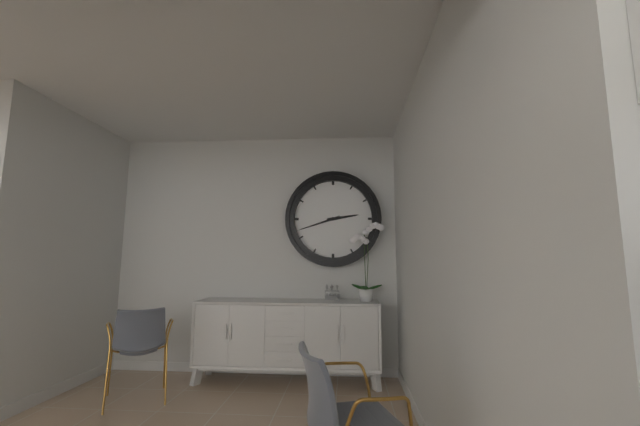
2,42
